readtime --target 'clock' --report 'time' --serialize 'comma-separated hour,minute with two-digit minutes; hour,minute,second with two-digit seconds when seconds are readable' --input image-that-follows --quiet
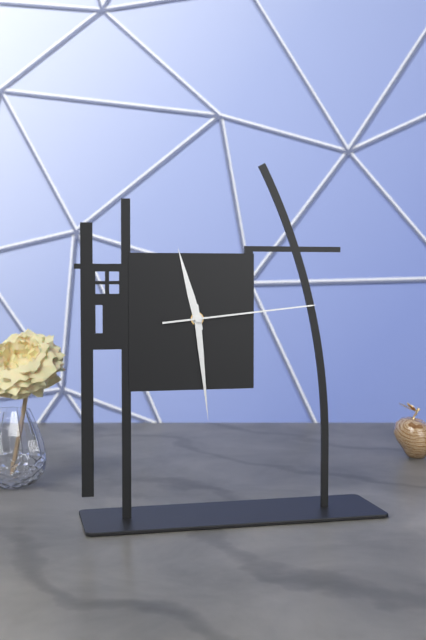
11,29,14
